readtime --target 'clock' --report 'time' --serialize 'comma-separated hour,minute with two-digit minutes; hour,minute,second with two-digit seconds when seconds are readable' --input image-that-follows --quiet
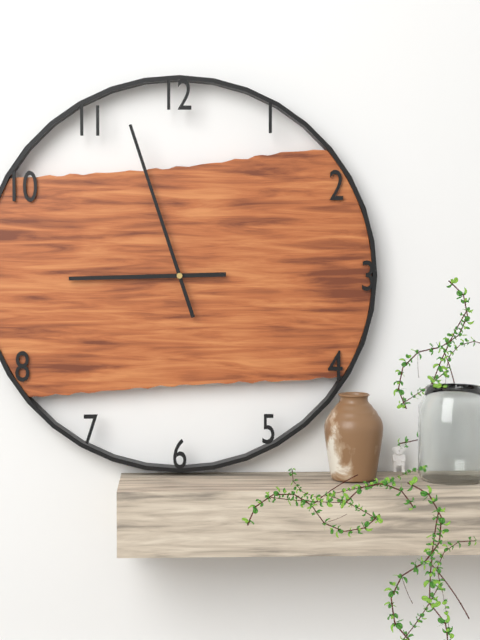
8,57
